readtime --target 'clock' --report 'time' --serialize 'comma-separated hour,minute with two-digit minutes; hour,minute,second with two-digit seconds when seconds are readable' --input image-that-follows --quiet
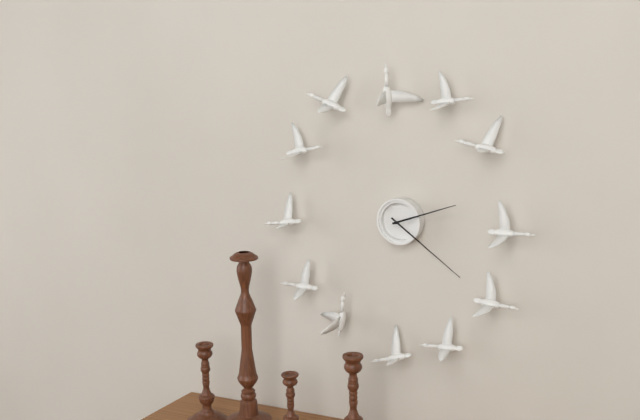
2,21
